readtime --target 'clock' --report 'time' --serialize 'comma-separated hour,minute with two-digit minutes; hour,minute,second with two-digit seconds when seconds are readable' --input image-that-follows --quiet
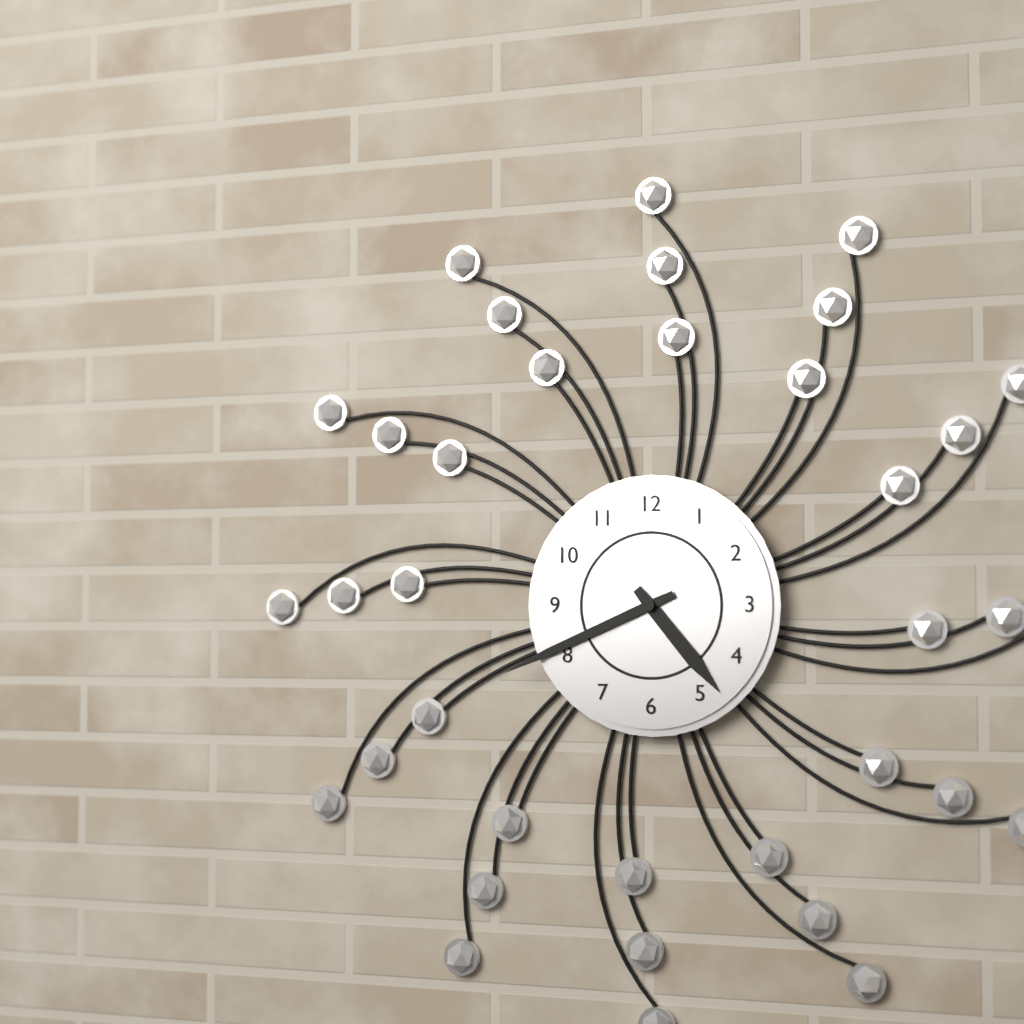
4,41
